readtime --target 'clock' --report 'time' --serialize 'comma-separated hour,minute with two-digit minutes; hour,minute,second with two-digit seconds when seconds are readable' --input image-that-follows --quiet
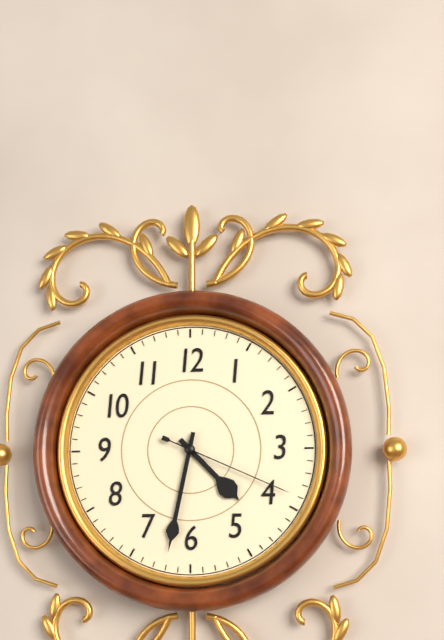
4,32,19
